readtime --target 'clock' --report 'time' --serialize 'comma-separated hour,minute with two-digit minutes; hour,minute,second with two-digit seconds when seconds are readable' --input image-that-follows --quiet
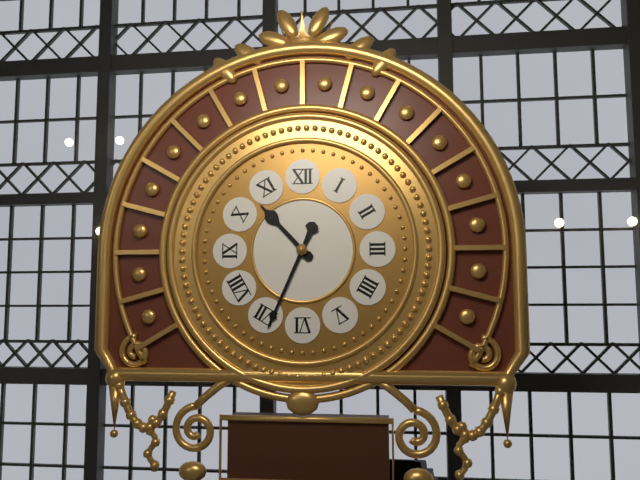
10,34
